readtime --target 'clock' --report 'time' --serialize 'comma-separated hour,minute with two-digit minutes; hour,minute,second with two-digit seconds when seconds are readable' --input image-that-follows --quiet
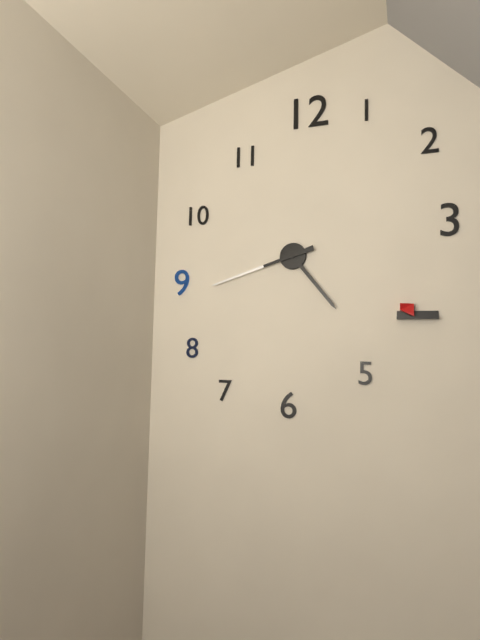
4,42
